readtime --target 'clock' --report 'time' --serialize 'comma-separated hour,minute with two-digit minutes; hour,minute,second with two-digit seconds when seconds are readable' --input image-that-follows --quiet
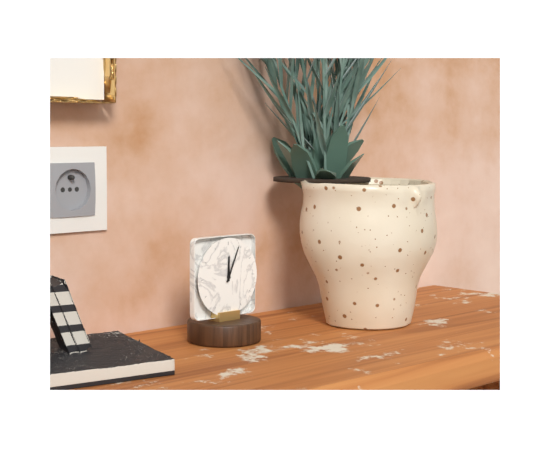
12,04
